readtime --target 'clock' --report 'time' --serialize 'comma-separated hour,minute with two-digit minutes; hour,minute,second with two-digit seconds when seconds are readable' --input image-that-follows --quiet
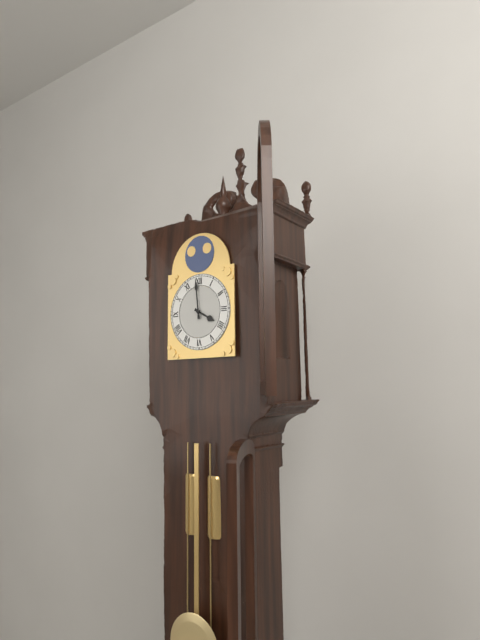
3,59
